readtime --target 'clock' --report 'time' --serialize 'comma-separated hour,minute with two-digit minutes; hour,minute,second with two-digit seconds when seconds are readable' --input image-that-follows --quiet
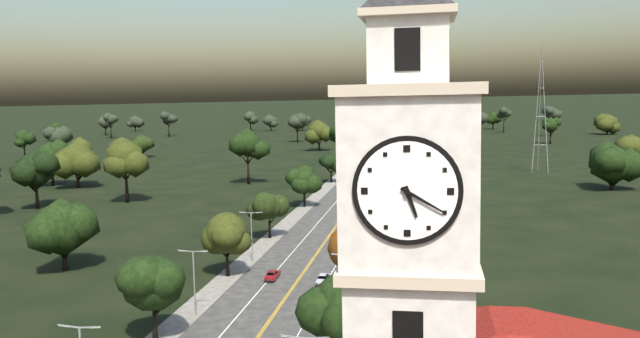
5,20
